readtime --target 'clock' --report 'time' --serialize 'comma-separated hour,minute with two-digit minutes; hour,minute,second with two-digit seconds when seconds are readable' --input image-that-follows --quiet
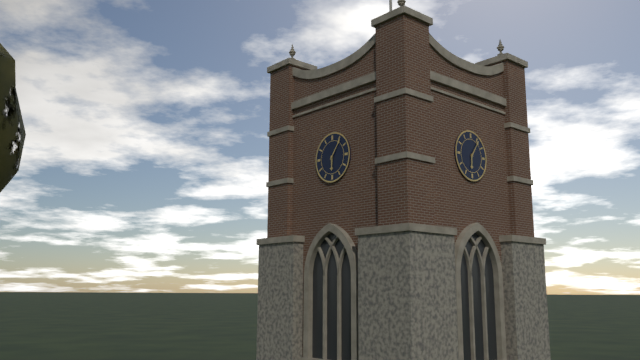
6,06
